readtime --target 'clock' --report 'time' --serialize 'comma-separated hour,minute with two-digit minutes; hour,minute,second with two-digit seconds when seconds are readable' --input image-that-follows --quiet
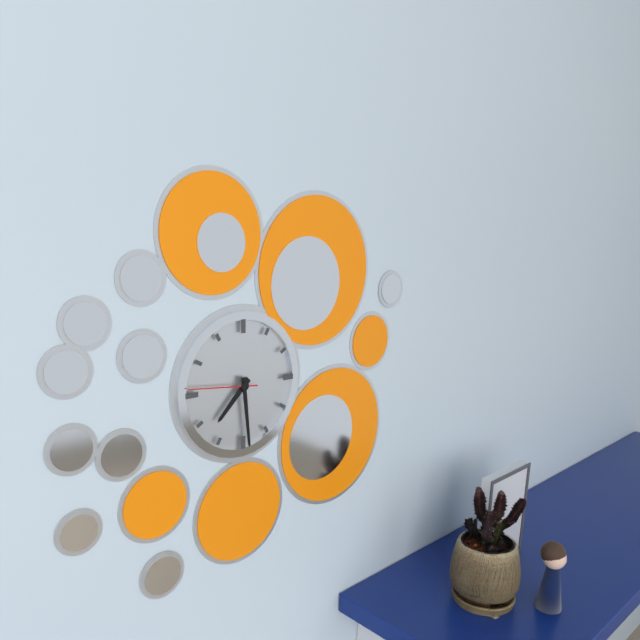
7,29,46
